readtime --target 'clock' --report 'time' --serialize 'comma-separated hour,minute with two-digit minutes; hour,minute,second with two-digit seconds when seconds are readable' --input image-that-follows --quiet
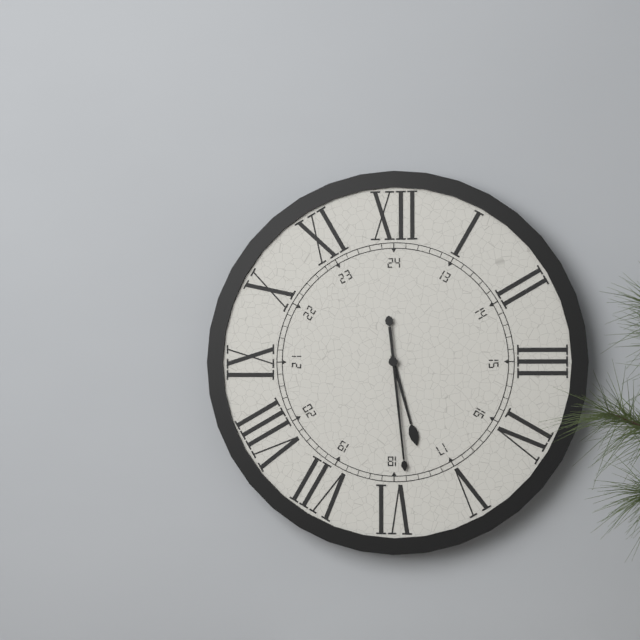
5,29
